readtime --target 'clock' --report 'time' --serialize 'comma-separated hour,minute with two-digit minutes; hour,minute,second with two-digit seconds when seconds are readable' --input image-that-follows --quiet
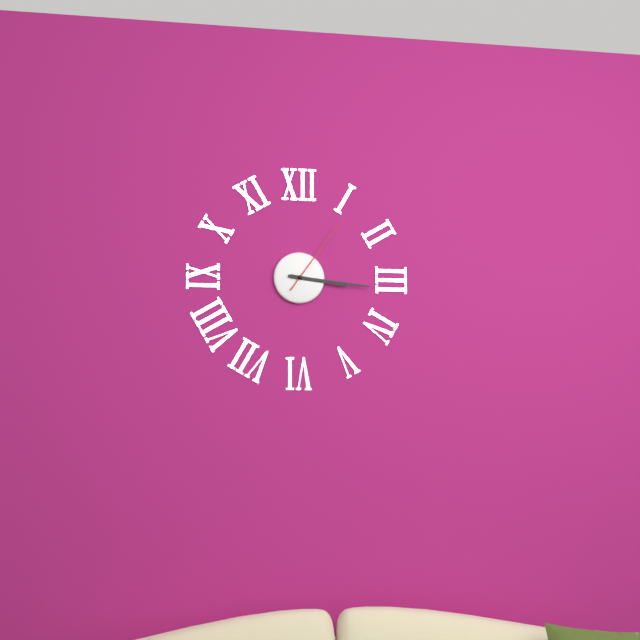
3,16,06
